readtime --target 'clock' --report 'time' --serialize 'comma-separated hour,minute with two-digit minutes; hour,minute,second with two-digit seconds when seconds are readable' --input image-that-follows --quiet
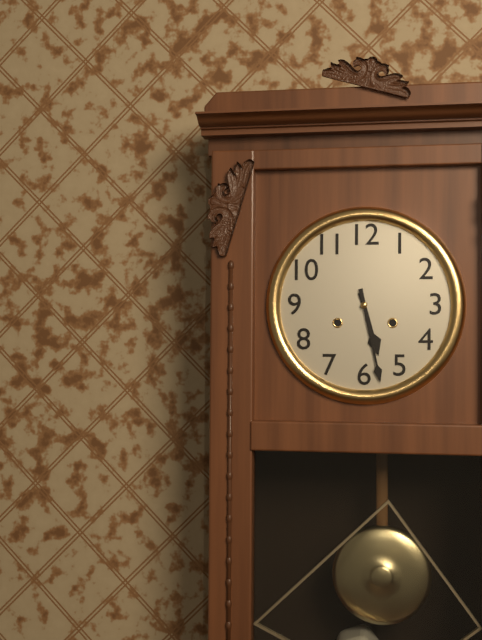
5,28
